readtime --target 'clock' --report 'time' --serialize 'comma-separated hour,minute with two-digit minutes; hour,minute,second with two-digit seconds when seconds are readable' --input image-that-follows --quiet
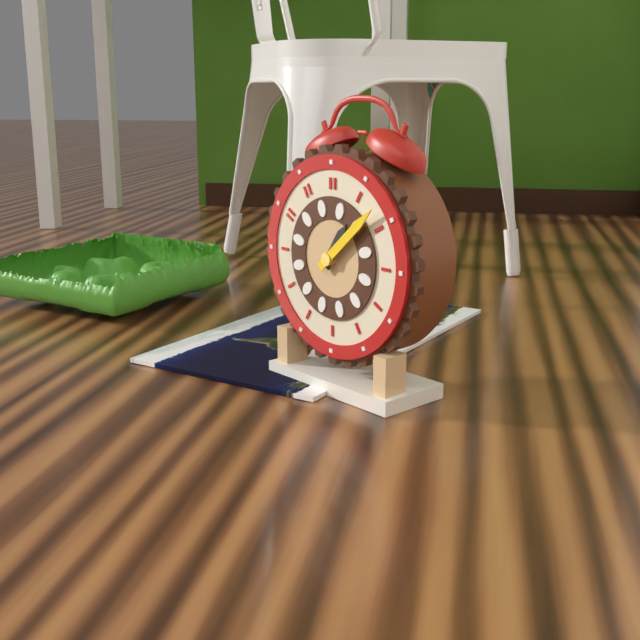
1,08
